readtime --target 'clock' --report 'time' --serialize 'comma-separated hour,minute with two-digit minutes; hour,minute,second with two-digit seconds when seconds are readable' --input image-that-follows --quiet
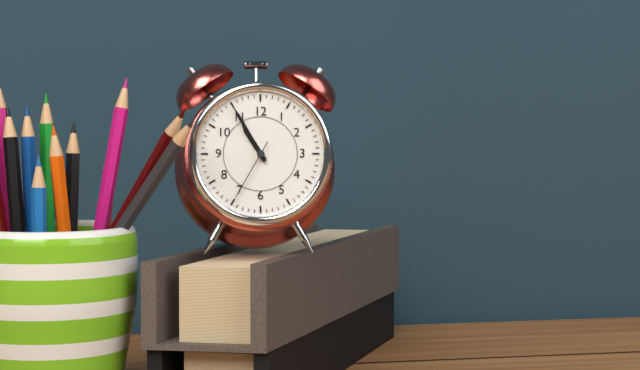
10,55,35
